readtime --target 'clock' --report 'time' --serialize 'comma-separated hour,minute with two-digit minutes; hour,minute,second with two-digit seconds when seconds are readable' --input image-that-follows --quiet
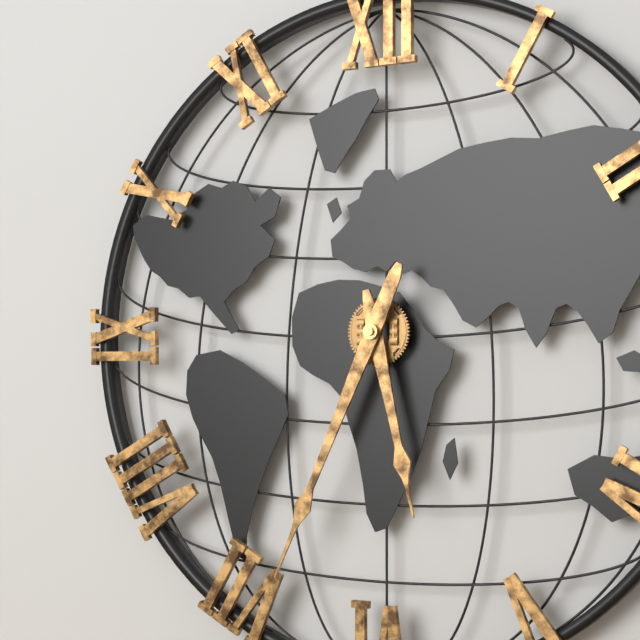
5,34
